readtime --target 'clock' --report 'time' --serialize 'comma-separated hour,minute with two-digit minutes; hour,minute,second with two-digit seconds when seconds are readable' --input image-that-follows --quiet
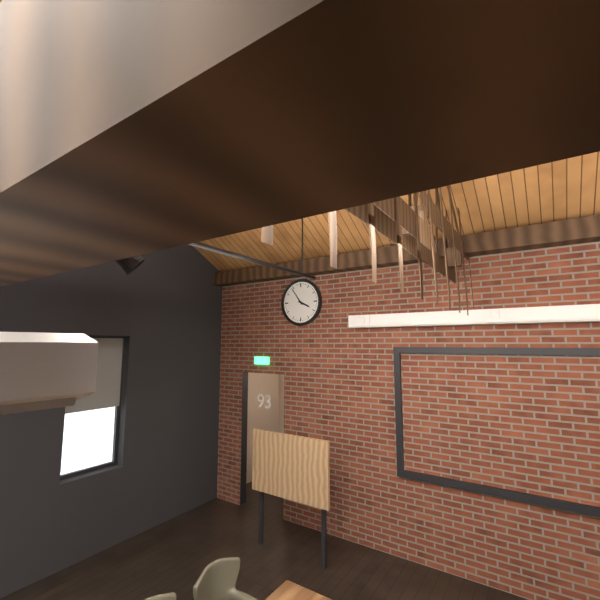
3,54
